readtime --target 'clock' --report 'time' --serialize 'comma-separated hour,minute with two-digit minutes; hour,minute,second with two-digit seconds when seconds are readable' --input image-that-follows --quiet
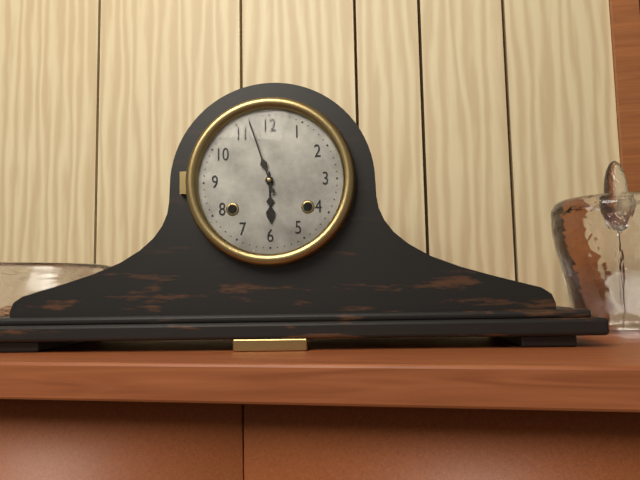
5,57
